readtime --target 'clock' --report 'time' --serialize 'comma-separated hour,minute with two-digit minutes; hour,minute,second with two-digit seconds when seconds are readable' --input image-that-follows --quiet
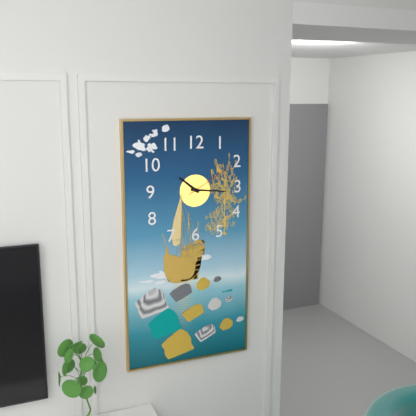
10,16
